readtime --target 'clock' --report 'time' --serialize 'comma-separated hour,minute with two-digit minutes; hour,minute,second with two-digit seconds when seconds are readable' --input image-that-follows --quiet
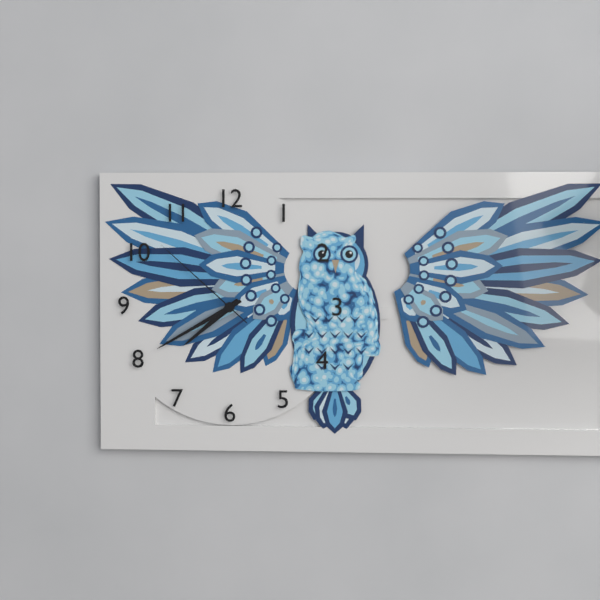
7,40,52
